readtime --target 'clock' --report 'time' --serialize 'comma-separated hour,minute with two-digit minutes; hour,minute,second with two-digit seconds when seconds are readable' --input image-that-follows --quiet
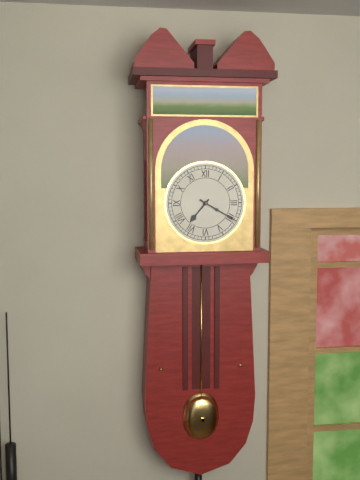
7,20
